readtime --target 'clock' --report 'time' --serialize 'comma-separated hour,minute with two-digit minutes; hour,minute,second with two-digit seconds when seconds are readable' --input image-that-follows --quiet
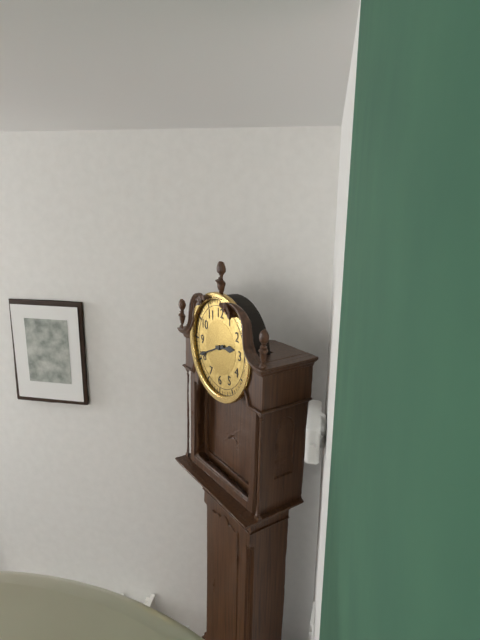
2,41
